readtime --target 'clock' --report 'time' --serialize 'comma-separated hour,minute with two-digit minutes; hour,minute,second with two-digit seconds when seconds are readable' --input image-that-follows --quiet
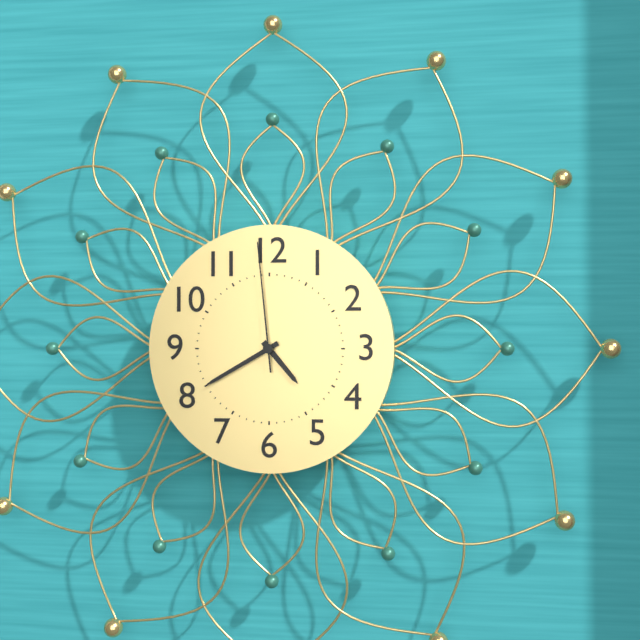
4,40,59
